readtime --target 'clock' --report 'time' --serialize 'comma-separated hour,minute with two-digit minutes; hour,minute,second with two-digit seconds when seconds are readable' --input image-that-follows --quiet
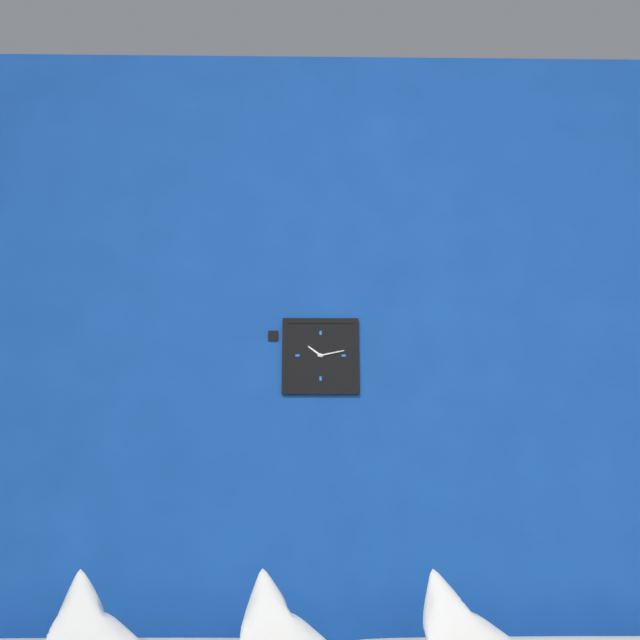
10,13
